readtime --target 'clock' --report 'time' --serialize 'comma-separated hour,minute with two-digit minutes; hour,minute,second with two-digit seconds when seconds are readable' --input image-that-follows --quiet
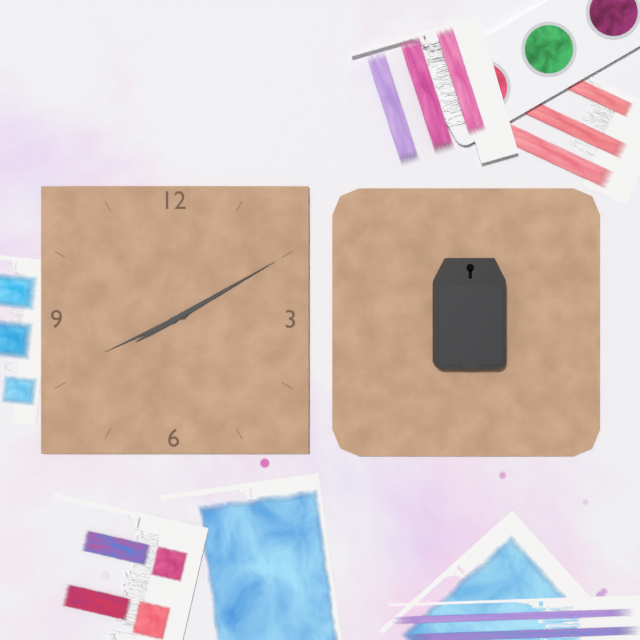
8,10
